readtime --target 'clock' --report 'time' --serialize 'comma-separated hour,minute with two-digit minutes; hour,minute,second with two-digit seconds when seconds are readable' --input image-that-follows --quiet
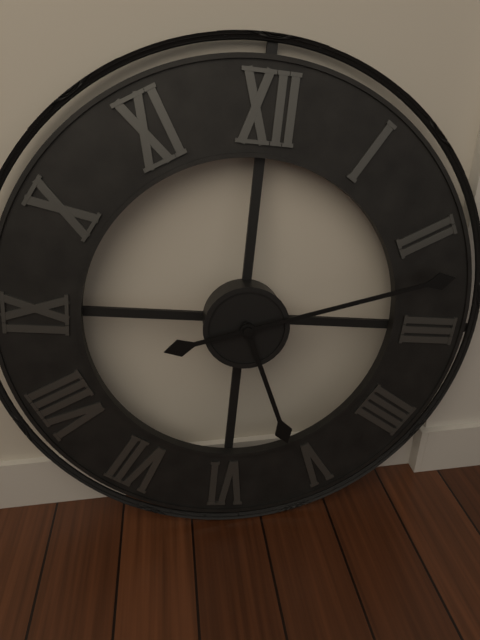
5,12
